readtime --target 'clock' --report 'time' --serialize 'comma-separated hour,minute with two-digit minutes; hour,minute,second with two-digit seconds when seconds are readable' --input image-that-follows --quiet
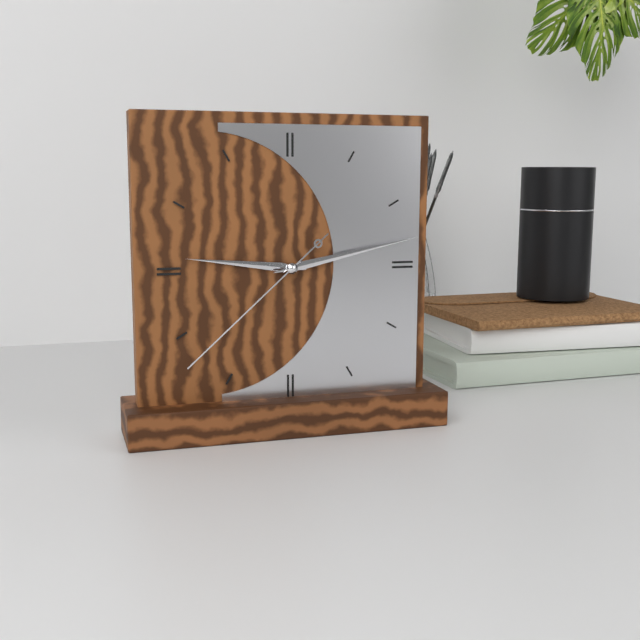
9,13,38
